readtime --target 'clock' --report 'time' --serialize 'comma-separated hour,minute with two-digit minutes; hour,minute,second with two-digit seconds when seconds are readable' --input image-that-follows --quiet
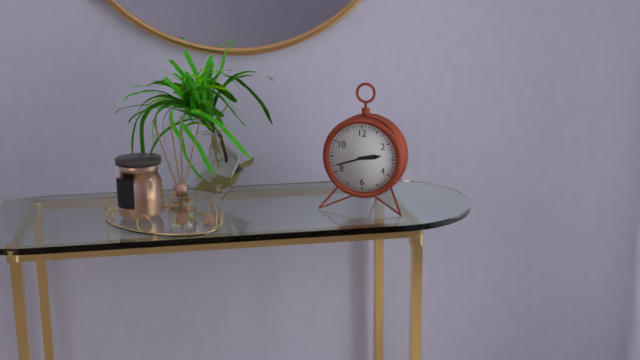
2,42
